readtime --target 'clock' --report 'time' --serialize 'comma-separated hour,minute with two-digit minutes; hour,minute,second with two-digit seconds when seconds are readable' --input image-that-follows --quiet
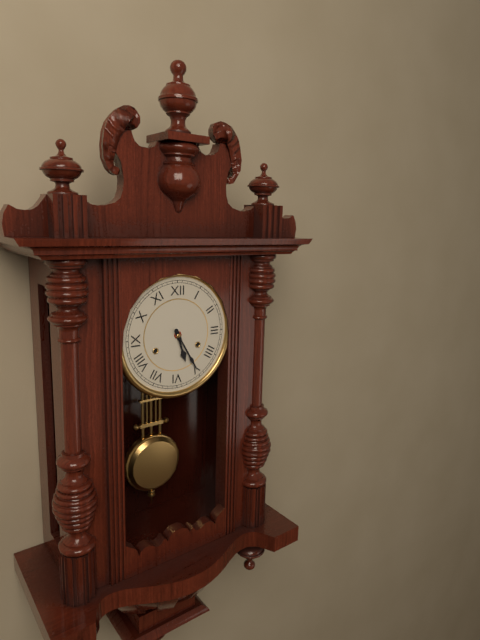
5,25
